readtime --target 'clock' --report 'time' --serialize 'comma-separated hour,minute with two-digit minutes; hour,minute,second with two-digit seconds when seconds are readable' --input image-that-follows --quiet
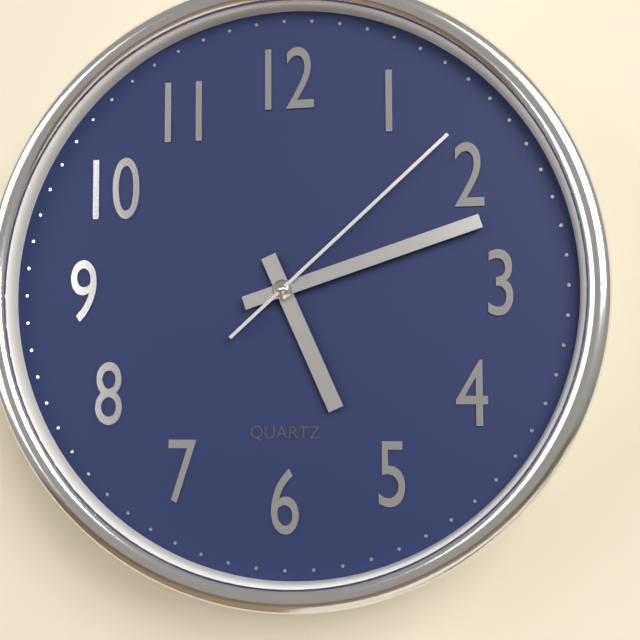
5,12,08
